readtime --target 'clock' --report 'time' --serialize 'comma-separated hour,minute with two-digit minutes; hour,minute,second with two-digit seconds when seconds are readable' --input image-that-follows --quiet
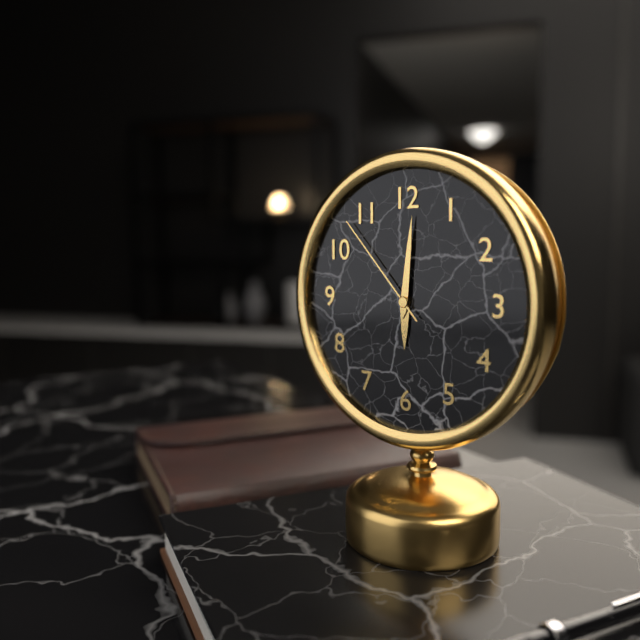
6,01,53
